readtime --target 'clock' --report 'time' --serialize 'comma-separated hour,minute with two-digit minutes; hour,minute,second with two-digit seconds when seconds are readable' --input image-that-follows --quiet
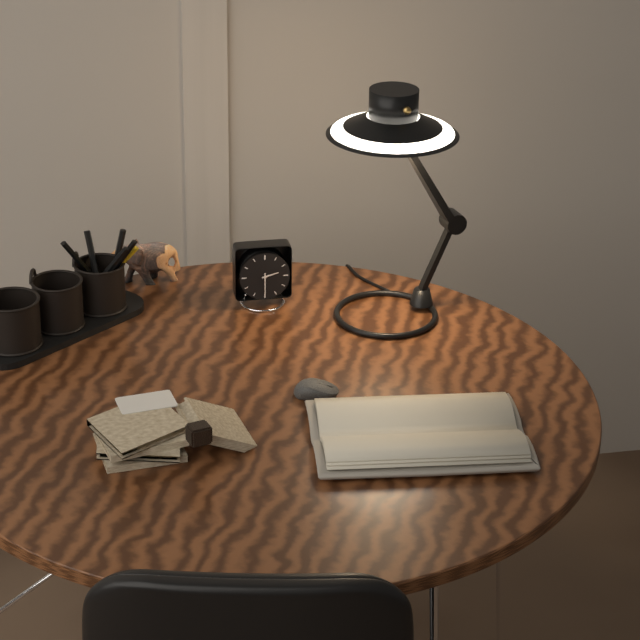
2,30
